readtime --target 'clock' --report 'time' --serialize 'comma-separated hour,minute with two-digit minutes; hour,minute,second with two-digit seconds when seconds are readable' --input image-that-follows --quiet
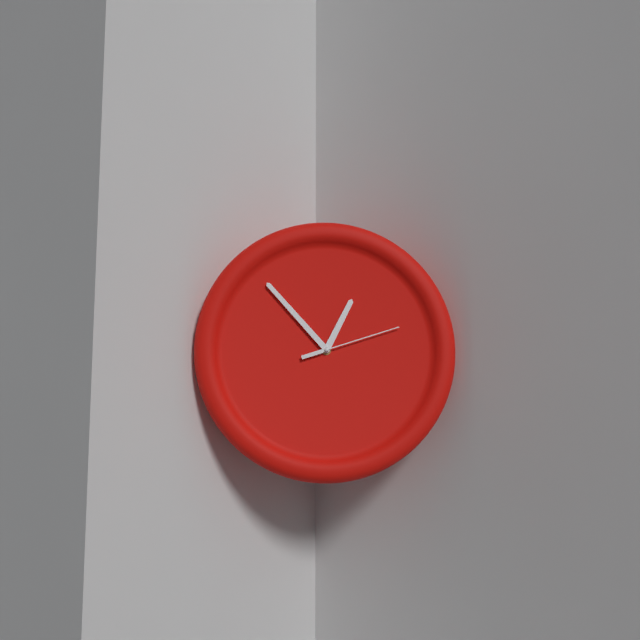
12,53,12
